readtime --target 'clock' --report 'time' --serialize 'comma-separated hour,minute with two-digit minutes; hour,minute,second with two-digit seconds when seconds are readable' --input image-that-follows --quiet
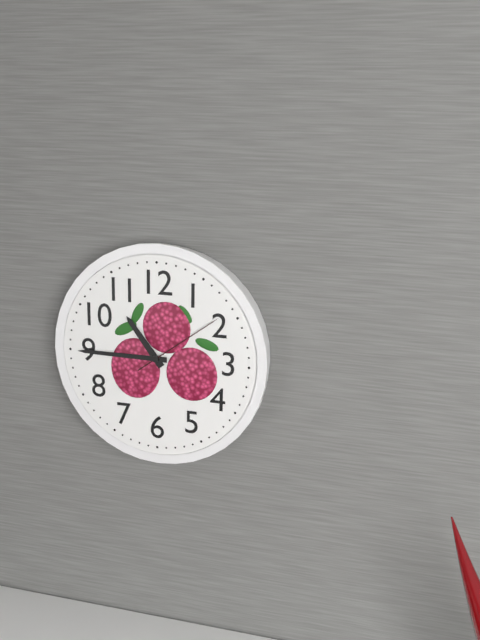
10,45,09
